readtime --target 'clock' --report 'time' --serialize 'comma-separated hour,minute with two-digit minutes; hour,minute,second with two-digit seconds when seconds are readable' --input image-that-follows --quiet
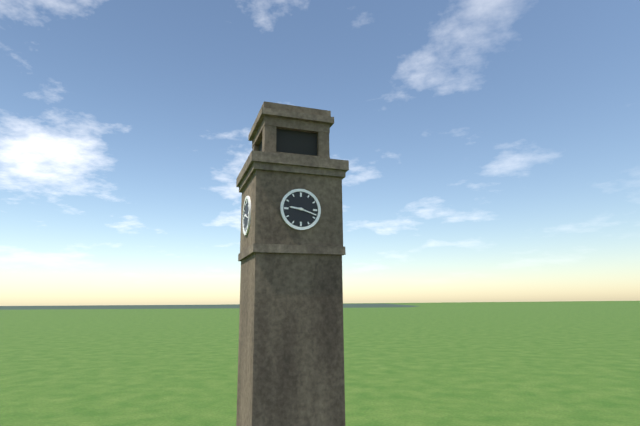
9,18
